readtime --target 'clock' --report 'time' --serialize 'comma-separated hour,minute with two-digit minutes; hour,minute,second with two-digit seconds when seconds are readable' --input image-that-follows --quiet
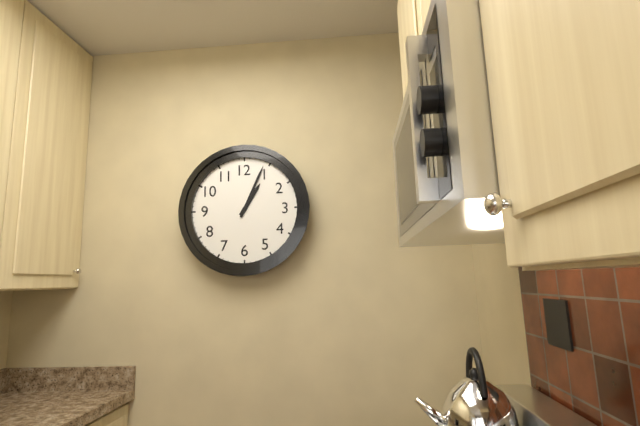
1,04
